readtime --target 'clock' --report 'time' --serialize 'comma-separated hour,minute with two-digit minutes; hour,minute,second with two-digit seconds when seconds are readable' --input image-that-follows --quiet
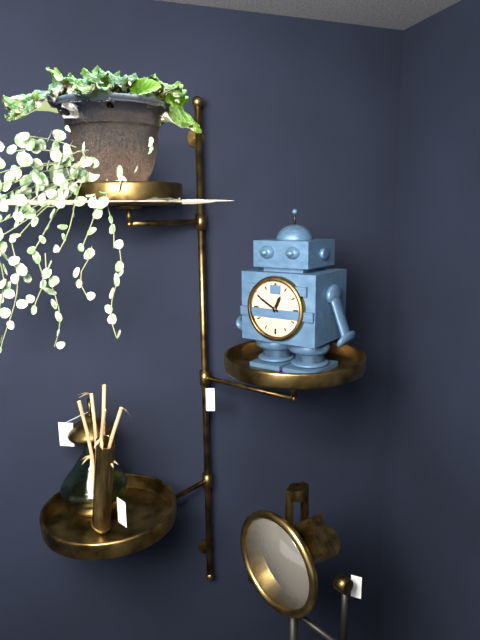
12,50
